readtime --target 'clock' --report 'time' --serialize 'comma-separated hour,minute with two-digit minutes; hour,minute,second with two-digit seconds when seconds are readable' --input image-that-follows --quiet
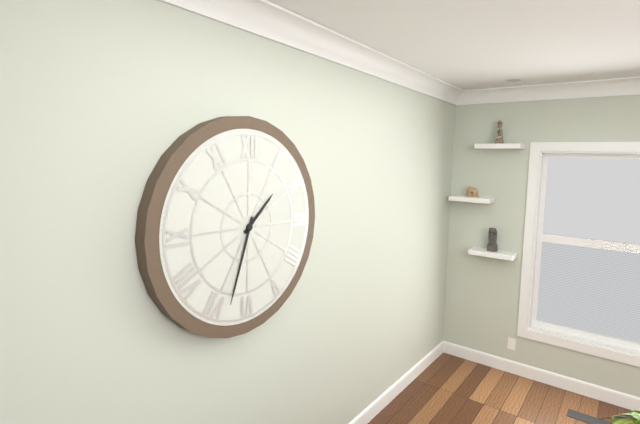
1,33
